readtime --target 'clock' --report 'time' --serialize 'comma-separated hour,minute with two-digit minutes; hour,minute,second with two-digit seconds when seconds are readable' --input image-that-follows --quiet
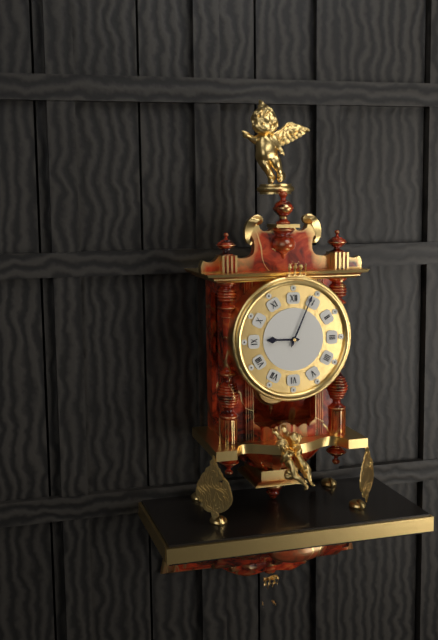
9,04
